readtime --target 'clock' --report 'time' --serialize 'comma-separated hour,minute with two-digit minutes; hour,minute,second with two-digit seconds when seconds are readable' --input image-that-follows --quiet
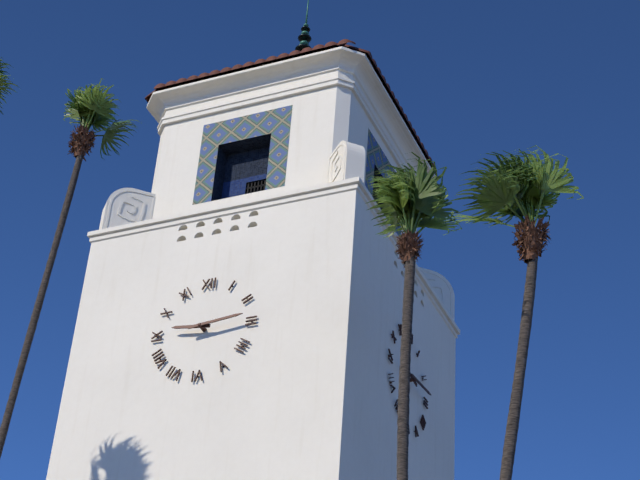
9,14
